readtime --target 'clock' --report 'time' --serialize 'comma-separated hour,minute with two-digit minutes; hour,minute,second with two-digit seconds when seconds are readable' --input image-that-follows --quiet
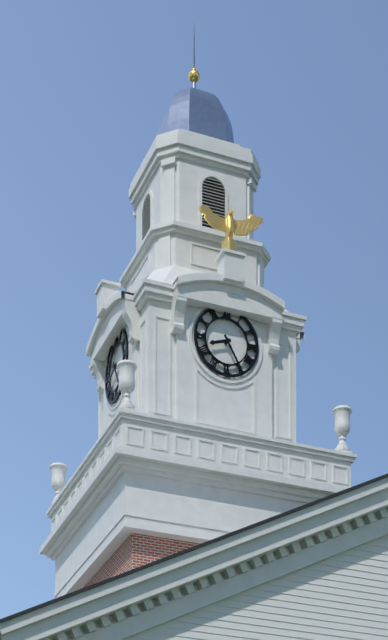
8,25
